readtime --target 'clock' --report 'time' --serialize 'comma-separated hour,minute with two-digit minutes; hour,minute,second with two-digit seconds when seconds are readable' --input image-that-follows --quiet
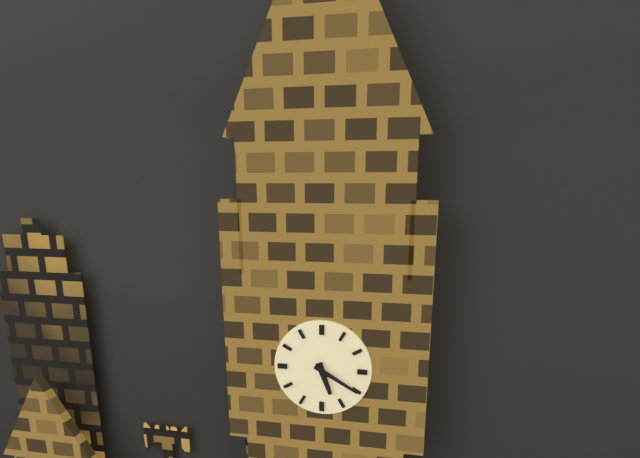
5,20
